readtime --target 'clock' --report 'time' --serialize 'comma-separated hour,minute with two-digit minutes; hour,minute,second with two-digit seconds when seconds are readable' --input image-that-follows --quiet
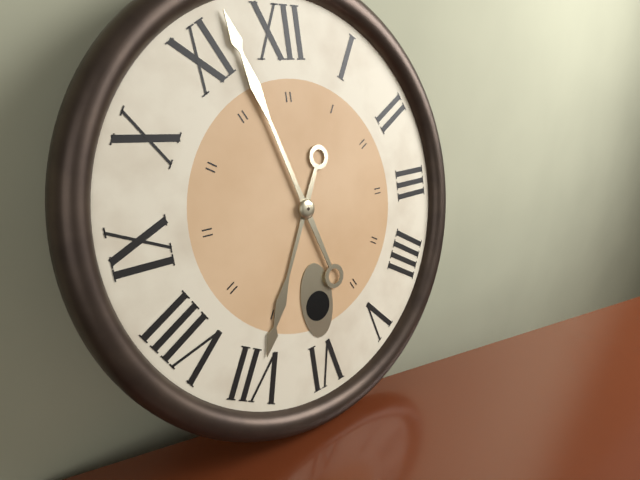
6,57
